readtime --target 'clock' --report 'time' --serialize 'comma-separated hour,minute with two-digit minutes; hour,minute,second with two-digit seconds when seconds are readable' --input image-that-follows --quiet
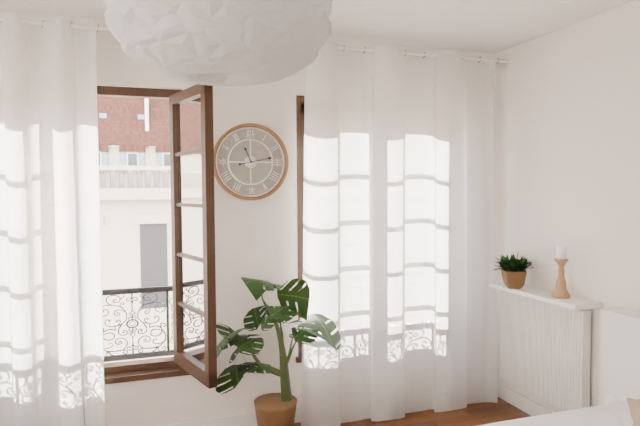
11,13
